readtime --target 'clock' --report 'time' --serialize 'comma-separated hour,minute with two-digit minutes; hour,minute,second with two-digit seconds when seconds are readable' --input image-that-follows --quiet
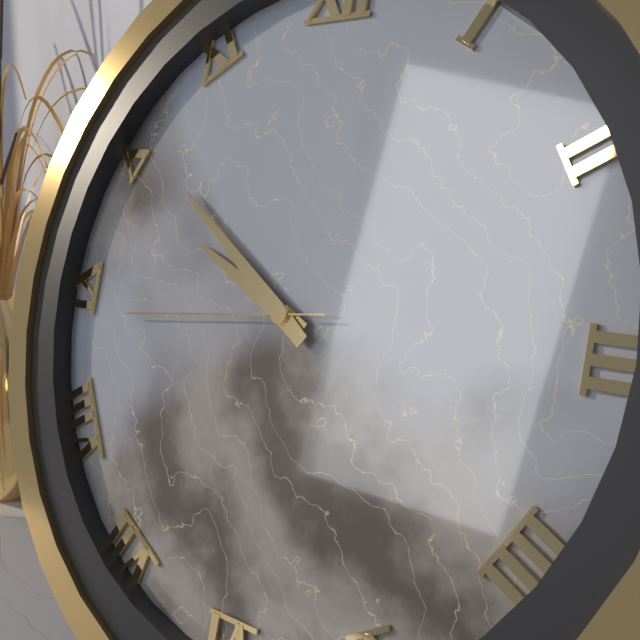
9,51,44
